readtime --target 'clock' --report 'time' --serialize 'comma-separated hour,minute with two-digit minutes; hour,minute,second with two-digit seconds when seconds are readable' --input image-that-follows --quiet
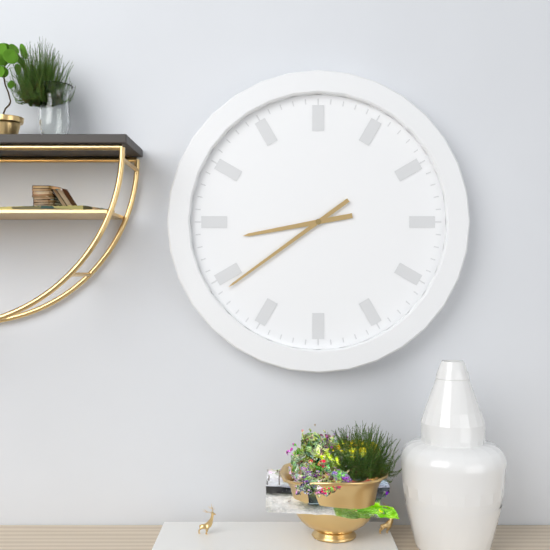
8,39
